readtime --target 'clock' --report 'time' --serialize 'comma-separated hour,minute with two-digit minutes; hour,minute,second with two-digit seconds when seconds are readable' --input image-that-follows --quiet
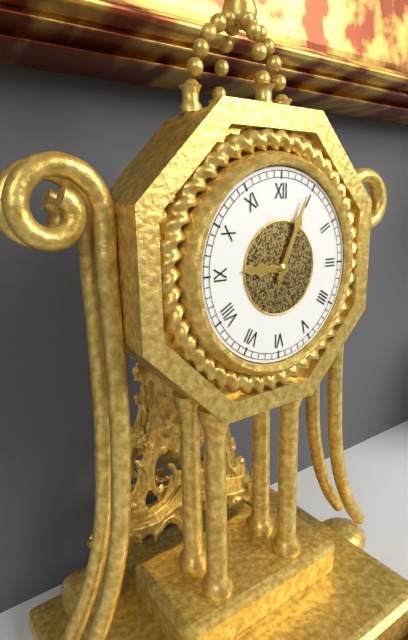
9,04
